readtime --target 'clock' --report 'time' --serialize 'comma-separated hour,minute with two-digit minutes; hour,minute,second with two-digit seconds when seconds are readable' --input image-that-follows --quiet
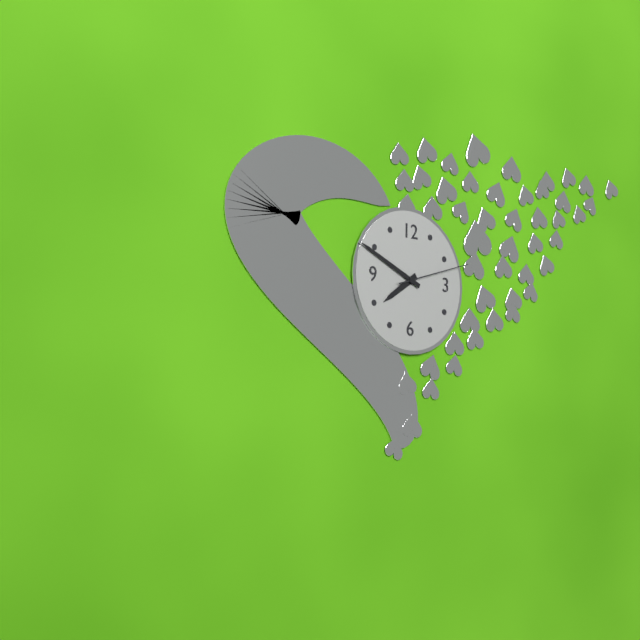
7,49,12
